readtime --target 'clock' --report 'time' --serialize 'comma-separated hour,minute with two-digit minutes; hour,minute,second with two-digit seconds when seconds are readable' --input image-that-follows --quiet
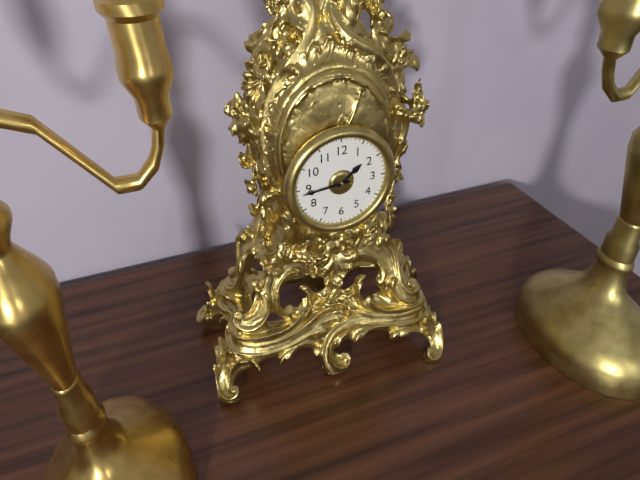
1,44
